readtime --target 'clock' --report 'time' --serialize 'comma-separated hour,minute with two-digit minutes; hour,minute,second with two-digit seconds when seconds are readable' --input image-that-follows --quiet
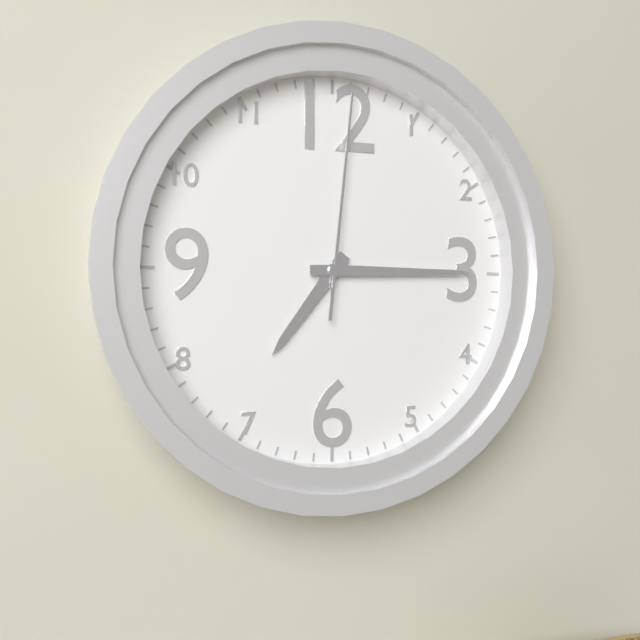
7,15,01
